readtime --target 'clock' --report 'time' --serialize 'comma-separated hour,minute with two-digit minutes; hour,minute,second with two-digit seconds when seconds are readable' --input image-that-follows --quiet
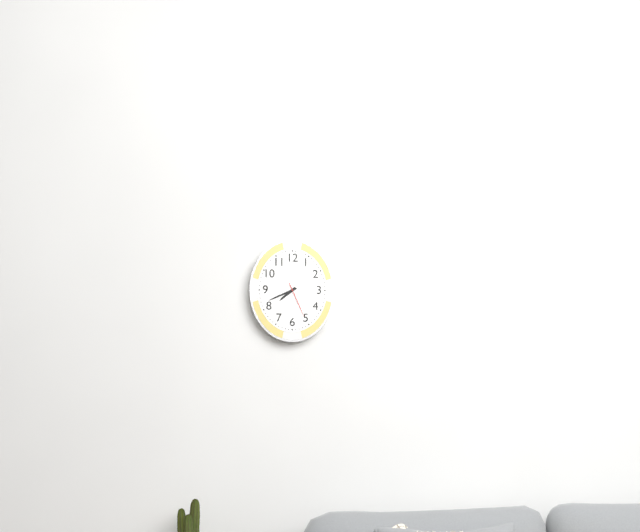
7,41
